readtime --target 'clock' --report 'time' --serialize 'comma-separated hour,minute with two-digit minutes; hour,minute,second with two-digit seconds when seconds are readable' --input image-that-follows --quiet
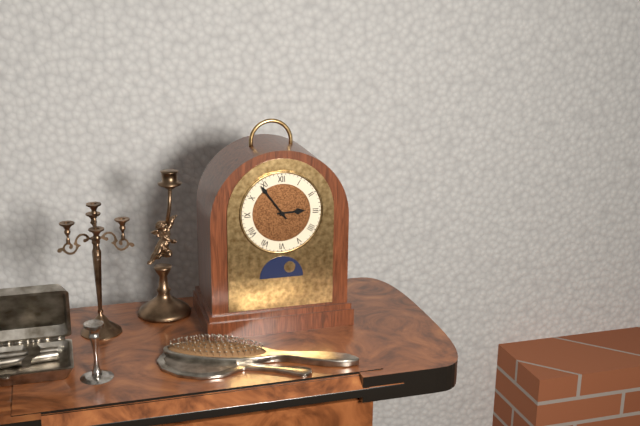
2,54
